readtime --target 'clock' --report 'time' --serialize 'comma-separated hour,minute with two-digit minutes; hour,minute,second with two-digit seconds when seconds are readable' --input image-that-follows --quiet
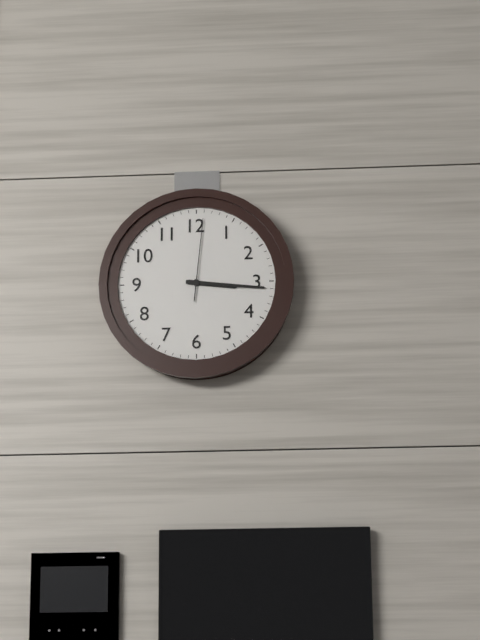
3,16,01
